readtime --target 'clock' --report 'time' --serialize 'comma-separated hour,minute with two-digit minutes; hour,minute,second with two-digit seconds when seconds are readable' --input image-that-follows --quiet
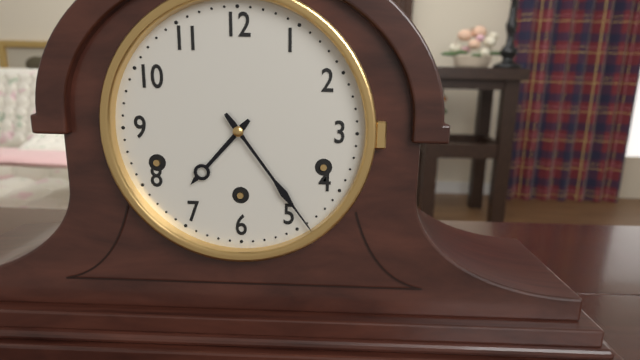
7,24
